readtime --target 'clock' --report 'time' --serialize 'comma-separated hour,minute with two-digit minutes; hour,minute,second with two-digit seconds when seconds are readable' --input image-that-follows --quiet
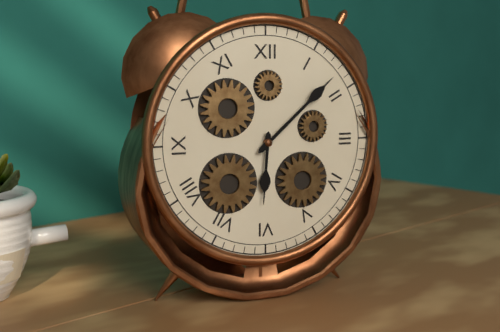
6,08
